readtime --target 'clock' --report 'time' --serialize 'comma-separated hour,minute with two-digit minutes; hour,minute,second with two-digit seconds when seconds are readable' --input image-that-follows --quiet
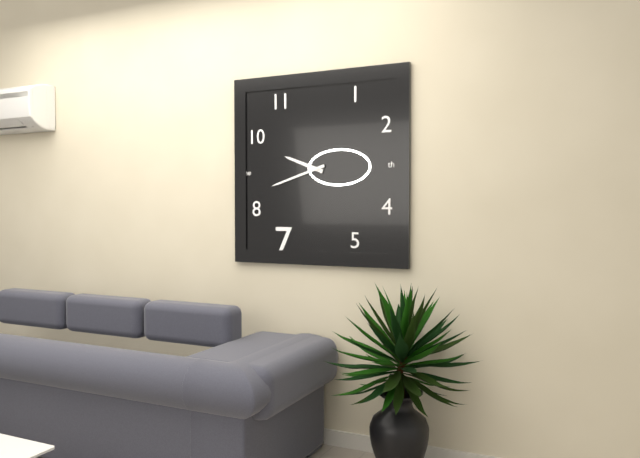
9,42
